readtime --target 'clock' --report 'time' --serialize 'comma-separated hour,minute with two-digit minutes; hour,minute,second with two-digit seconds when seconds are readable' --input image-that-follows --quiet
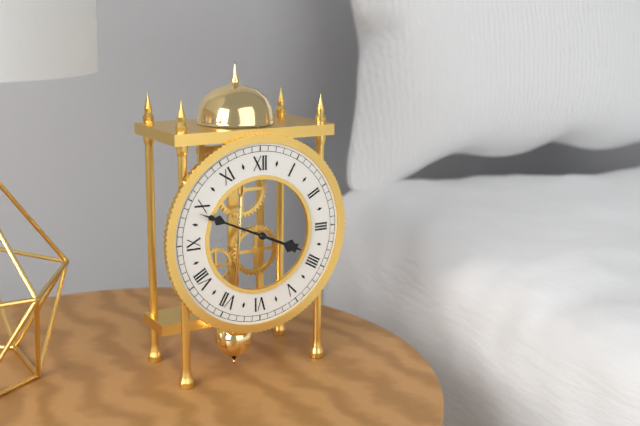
3,49
